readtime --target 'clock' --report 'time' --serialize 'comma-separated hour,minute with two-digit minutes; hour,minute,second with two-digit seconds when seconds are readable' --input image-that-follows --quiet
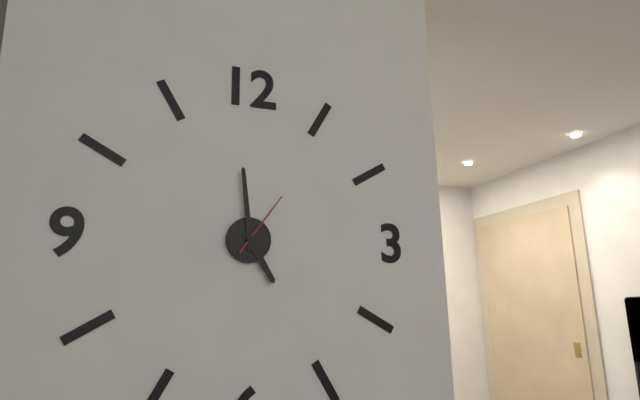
4,59,06
